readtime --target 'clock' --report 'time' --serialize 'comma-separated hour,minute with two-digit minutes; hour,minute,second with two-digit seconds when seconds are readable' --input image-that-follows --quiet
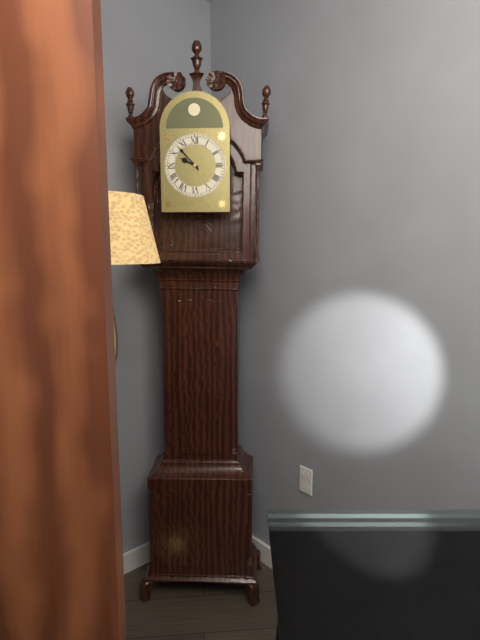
9,53
